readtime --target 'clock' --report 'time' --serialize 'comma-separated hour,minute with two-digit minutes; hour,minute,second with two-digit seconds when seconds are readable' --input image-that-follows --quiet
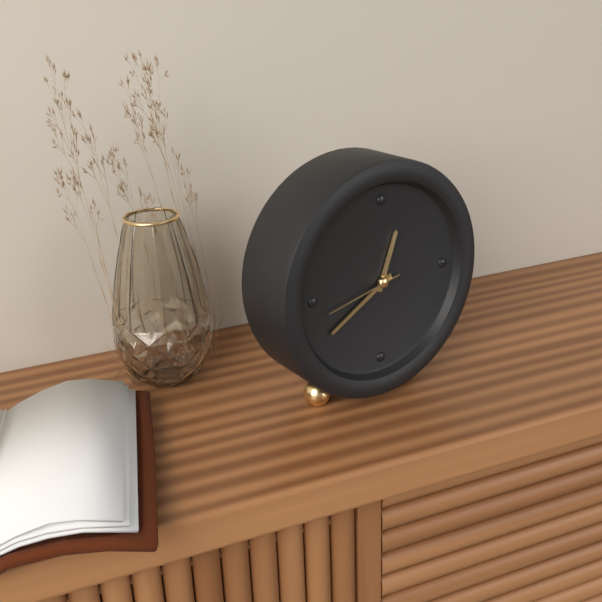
12,40,43
